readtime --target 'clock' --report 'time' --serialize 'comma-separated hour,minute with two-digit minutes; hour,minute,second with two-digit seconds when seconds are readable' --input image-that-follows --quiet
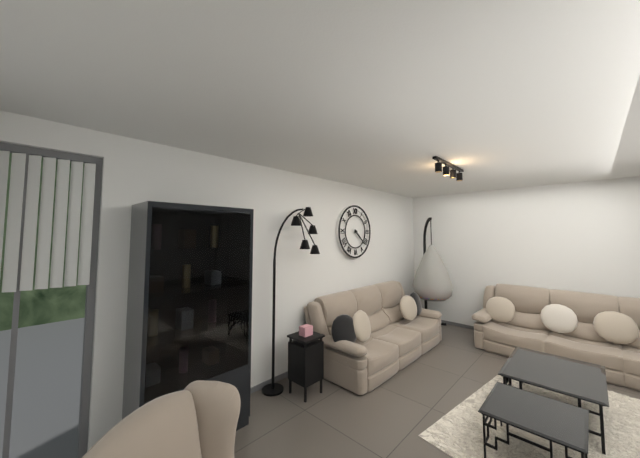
4,22
